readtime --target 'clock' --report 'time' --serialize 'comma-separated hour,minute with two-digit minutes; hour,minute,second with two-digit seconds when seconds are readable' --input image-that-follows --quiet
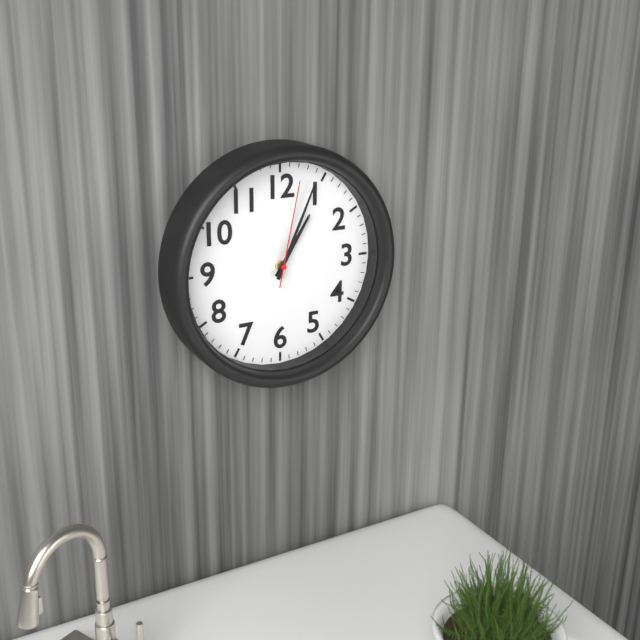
1,04,02
